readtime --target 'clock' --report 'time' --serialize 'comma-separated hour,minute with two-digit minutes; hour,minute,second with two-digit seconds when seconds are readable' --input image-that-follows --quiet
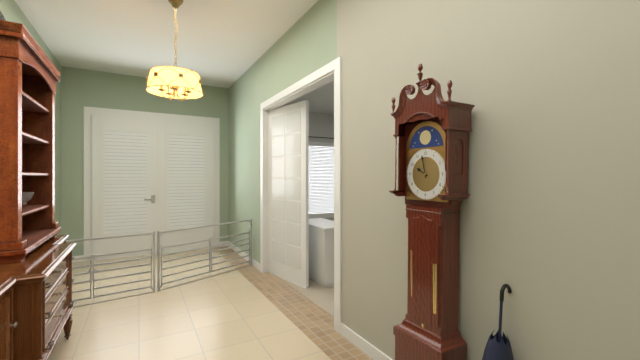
9,58
